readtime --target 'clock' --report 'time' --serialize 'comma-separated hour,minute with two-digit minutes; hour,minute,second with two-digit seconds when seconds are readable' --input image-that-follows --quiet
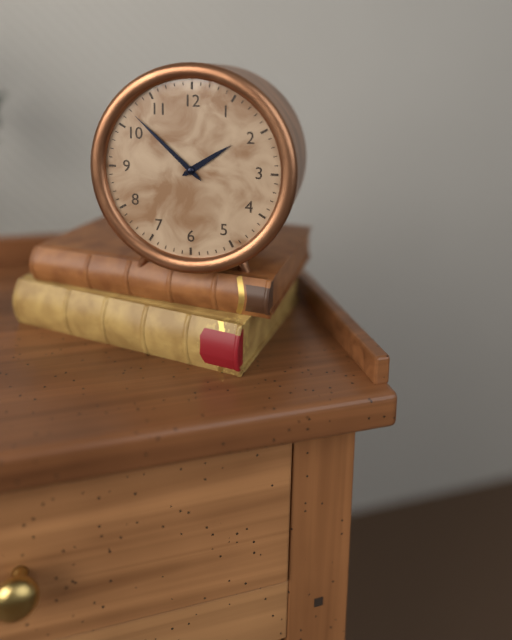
1,52
